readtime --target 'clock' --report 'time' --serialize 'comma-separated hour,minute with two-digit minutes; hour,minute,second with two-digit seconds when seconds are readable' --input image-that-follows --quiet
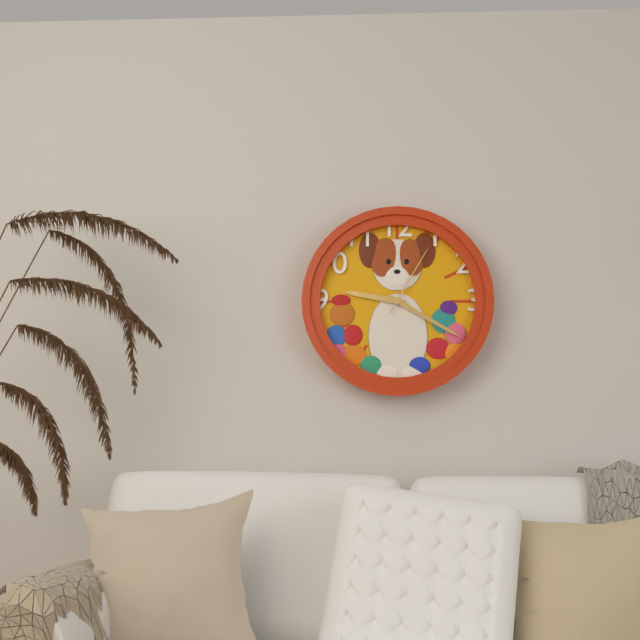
9,20,05
